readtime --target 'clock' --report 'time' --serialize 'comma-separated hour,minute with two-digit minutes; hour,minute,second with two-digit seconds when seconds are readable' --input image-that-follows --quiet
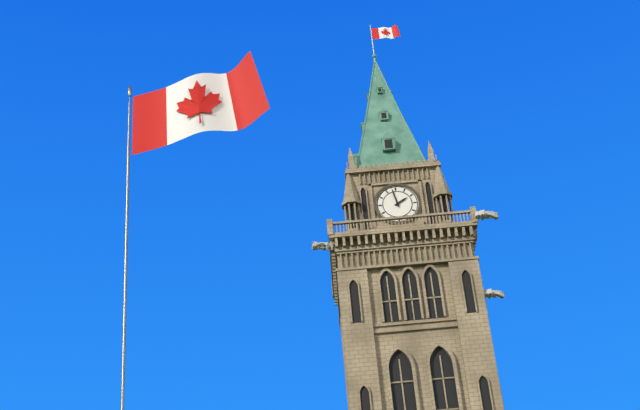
1,58
